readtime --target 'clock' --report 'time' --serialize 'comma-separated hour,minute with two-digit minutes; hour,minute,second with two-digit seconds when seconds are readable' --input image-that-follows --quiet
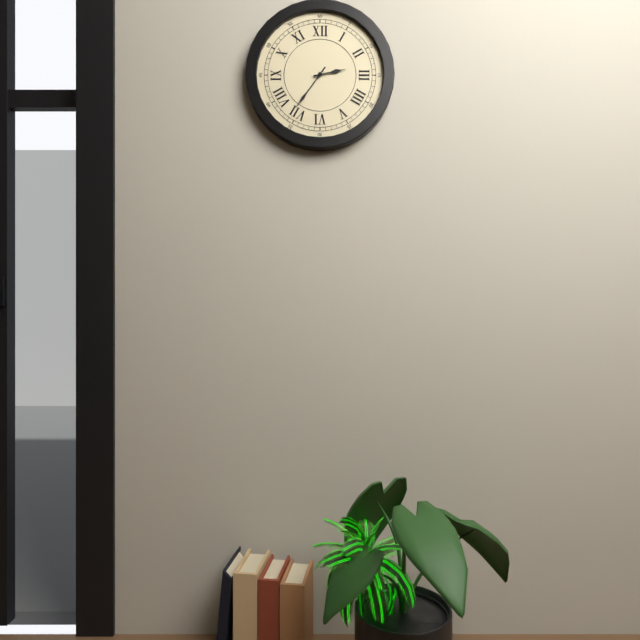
2,36
